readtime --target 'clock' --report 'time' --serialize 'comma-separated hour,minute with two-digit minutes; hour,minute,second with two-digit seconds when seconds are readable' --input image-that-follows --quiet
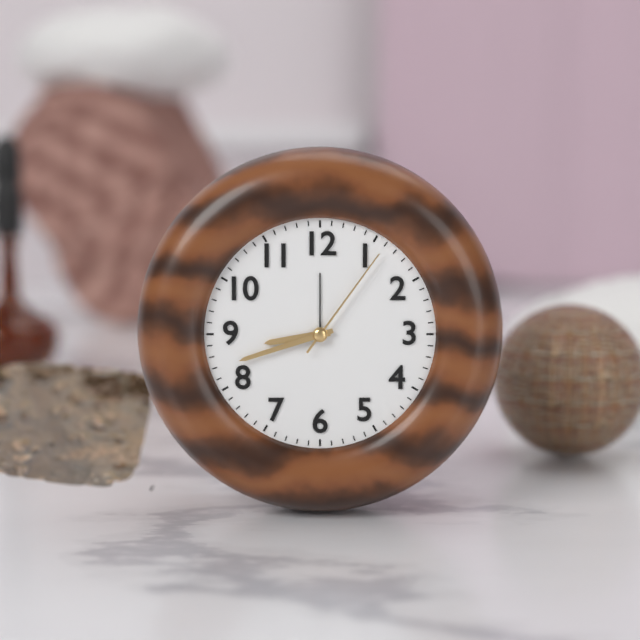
8,42,06
